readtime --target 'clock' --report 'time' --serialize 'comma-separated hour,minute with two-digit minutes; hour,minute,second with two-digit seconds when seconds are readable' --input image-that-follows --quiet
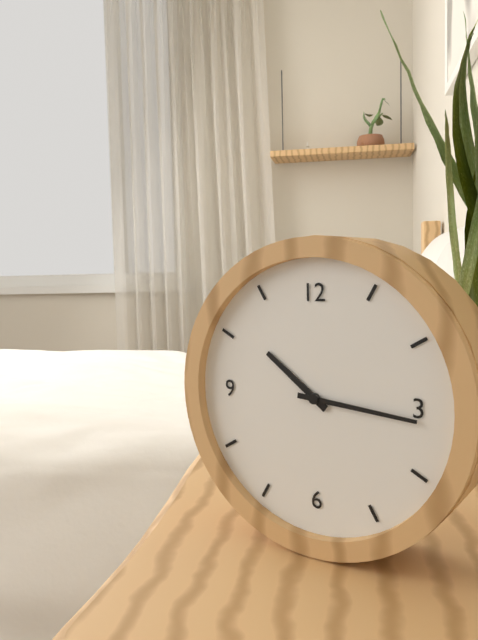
10,16
